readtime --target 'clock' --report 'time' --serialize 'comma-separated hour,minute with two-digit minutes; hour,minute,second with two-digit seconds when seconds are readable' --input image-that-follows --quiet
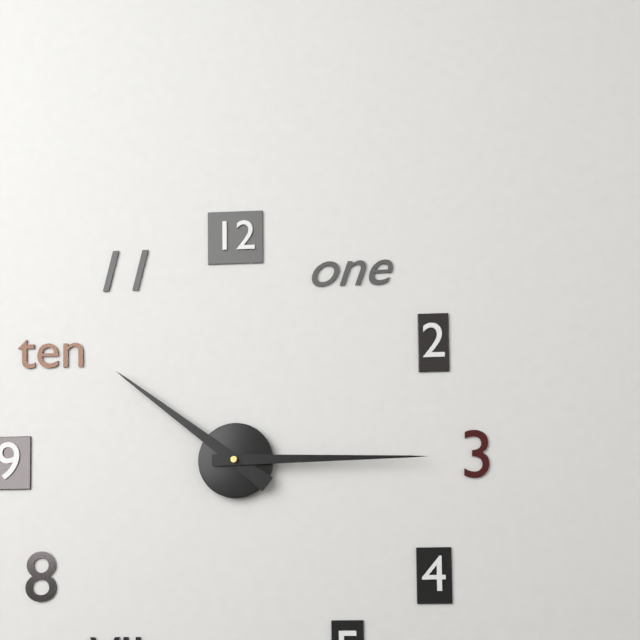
10,15
